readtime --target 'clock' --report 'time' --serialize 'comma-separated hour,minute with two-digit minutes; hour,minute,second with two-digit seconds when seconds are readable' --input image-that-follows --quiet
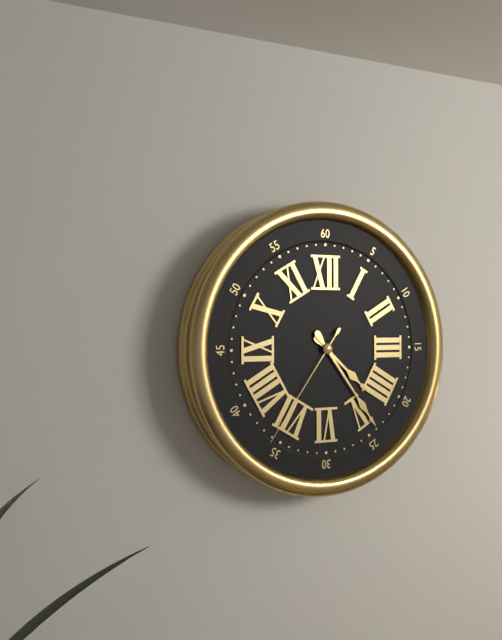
4,24,36
